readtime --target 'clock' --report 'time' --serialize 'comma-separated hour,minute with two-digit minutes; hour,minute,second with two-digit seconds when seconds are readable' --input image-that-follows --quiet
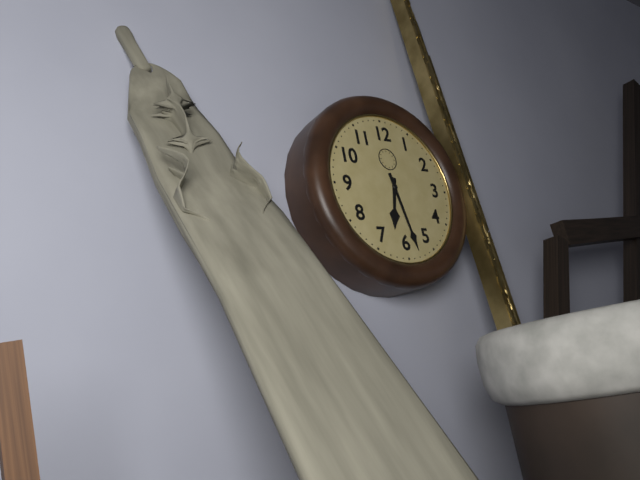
6,28
